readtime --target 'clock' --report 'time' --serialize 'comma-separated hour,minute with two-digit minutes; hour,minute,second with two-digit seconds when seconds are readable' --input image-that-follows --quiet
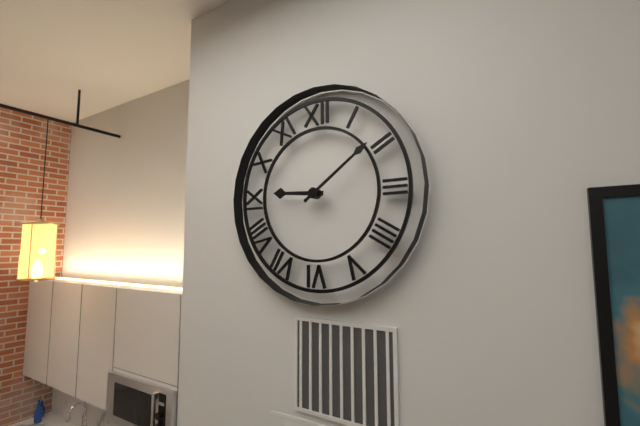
9,09
